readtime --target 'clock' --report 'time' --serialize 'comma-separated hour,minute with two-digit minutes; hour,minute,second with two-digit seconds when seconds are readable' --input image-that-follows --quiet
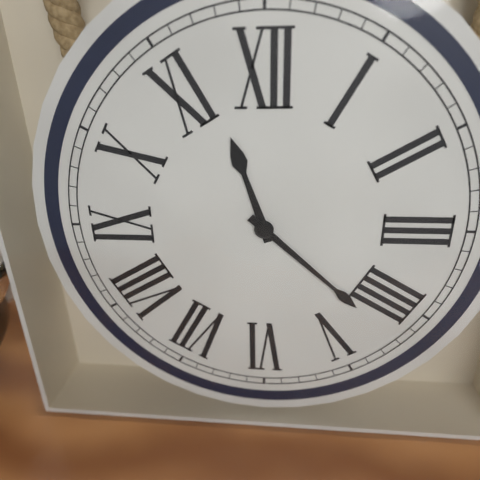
11,22
